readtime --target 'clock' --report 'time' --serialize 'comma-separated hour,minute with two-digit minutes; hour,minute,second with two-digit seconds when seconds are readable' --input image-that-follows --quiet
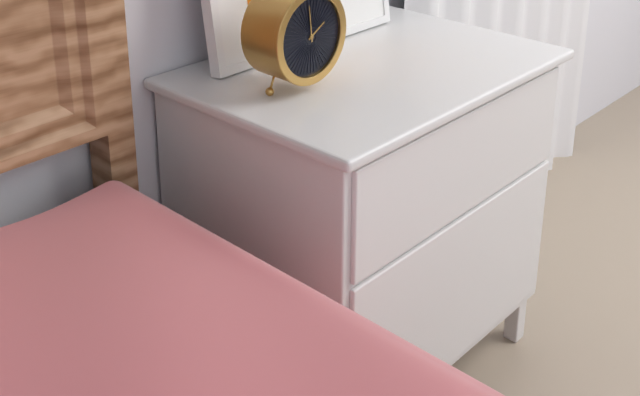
1,59
